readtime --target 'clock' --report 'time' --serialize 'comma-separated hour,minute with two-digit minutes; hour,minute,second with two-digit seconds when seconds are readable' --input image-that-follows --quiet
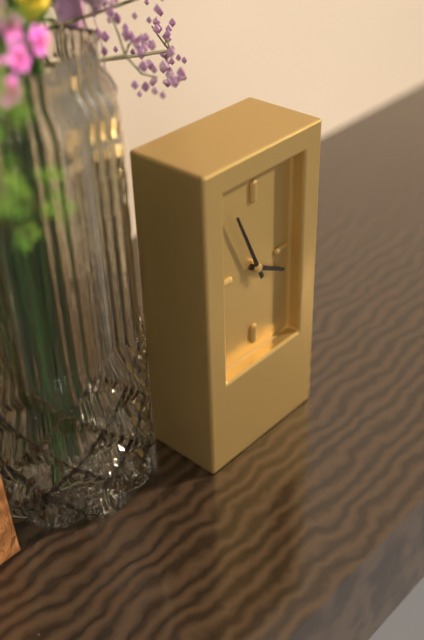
3,56
